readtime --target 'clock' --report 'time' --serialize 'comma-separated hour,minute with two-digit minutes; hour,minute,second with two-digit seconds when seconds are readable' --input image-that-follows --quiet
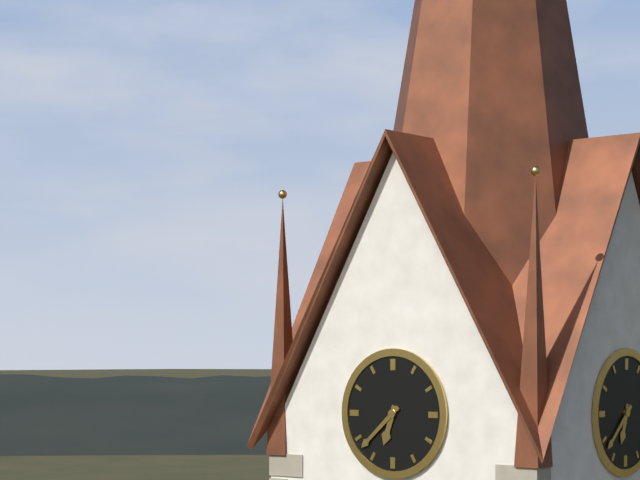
6,38
